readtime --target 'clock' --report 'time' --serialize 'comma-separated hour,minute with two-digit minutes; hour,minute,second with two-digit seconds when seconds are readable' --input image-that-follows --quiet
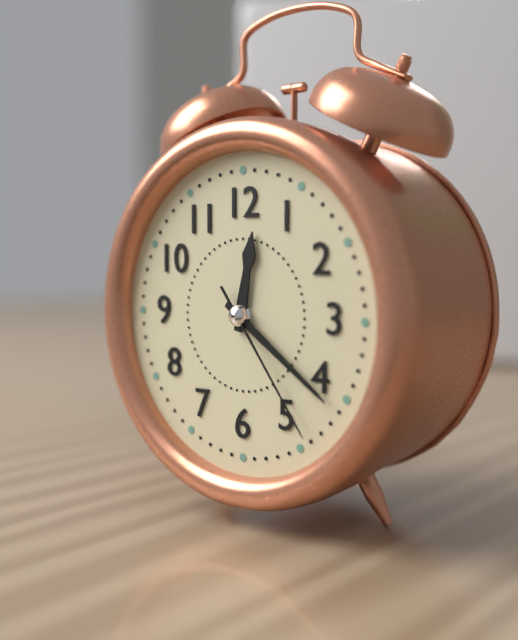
12,21,24
